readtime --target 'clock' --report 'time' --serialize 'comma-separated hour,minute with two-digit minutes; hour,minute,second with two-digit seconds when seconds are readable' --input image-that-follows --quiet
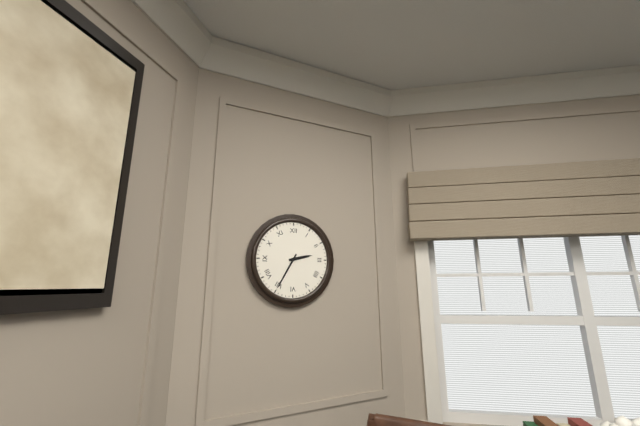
2,35
